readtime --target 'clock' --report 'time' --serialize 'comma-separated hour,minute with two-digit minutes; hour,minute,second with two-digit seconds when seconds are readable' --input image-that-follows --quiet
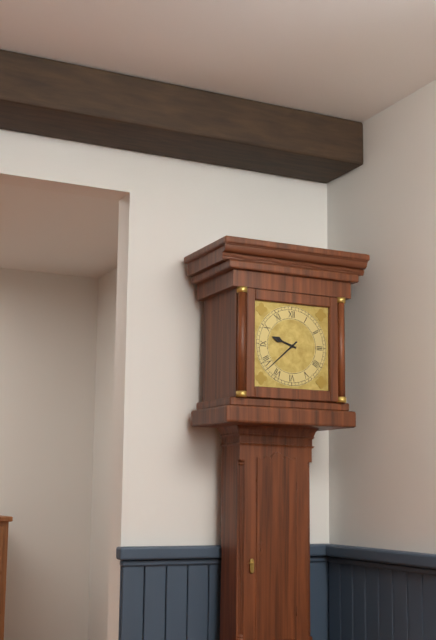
9,38
